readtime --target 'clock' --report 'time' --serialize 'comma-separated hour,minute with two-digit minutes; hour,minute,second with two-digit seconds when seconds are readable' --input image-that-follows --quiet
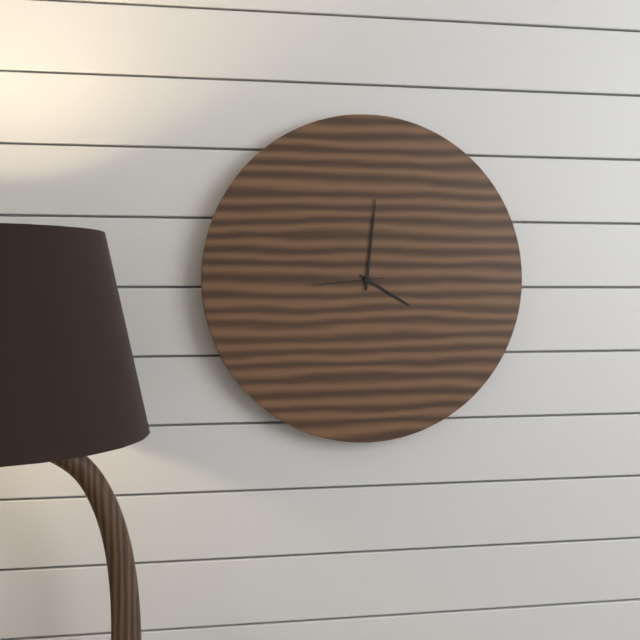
4,01,44
